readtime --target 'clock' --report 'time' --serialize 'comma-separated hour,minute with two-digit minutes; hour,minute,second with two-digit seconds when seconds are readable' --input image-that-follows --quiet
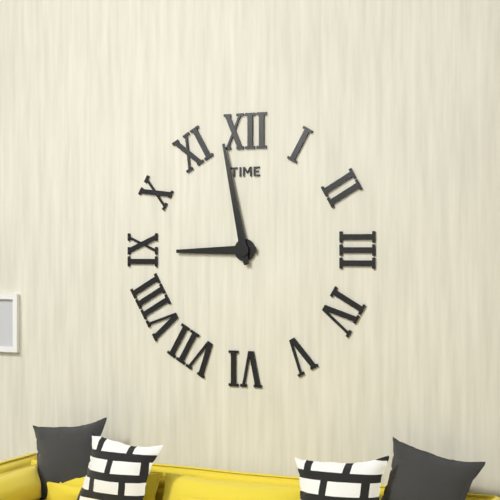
8,58
